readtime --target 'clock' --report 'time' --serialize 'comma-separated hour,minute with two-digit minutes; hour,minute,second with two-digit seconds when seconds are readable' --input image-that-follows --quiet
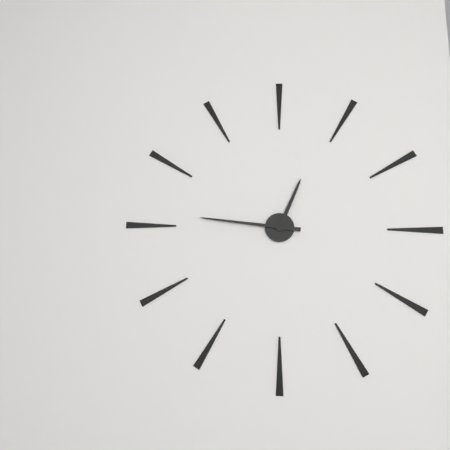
12,46
